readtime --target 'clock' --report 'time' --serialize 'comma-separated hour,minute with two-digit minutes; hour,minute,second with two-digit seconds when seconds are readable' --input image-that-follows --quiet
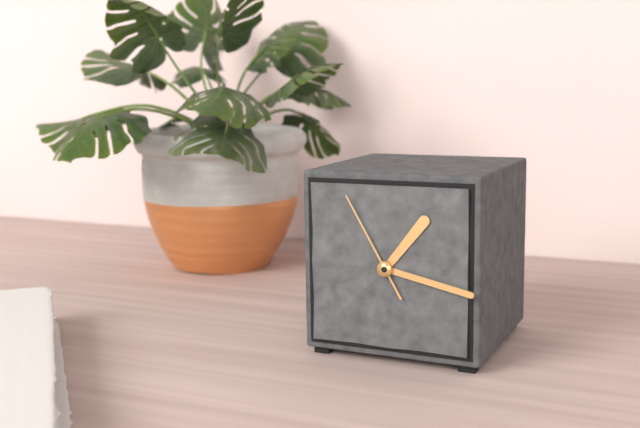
1,17,55
